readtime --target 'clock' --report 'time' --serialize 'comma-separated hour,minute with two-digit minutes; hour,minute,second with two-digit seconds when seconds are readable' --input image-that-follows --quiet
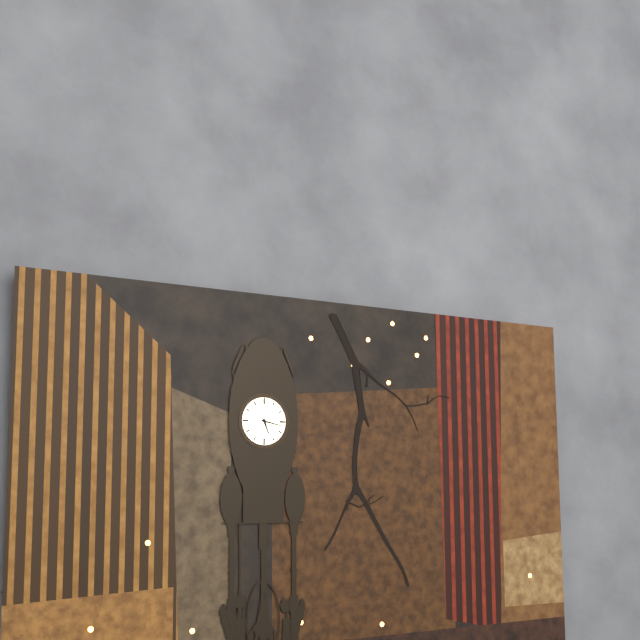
5,17
